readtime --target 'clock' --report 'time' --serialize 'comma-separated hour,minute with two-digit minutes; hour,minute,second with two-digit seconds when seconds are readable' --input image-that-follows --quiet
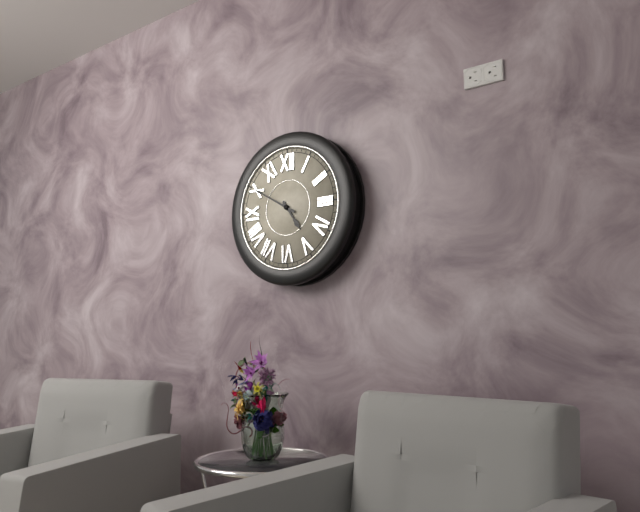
4,50
